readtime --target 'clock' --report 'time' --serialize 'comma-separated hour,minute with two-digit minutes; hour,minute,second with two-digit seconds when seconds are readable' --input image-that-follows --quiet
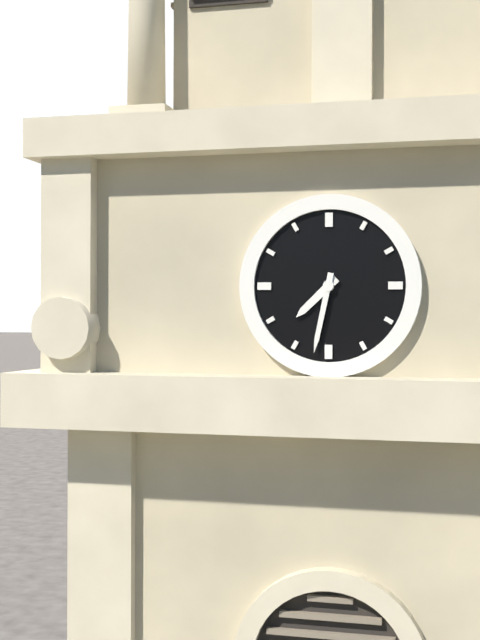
7,32
